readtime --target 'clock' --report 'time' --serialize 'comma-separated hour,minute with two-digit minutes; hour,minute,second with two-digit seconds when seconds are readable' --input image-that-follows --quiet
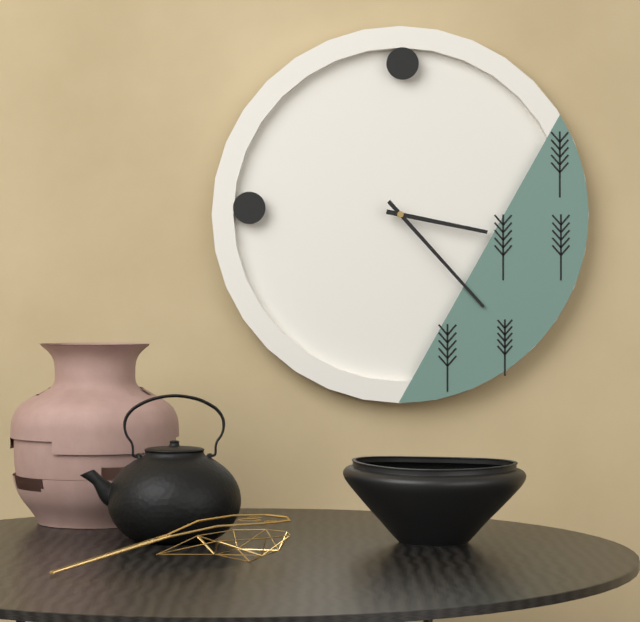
3,23
